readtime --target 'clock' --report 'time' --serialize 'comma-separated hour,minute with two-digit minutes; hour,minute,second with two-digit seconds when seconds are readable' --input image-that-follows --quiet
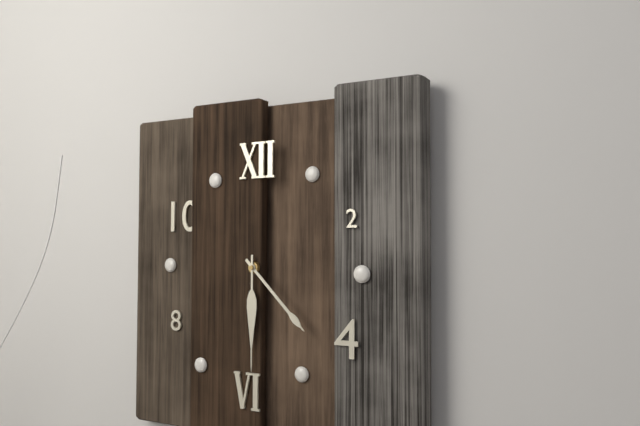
4,30
